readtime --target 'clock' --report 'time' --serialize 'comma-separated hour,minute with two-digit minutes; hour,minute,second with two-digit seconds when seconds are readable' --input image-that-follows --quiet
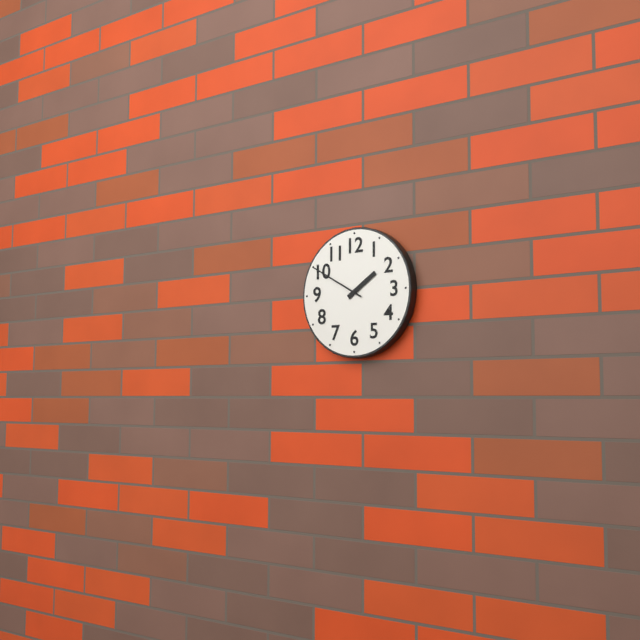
1,50
